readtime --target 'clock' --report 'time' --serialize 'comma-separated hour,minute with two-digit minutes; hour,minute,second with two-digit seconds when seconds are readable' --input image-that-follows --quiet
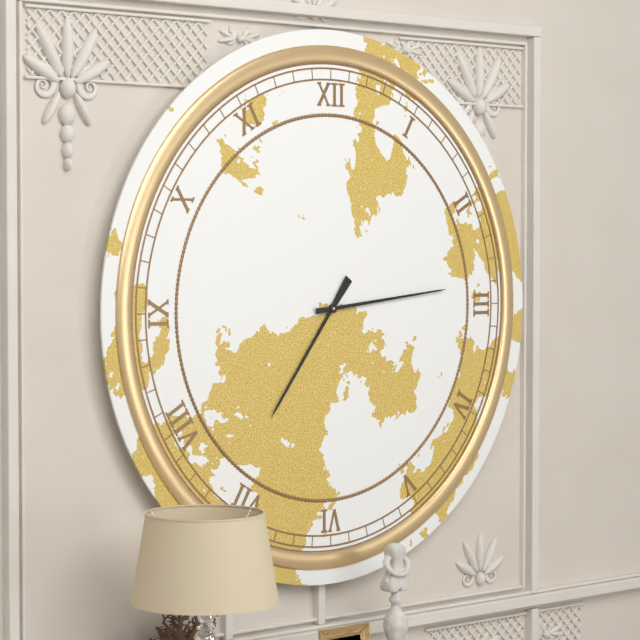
7,14
